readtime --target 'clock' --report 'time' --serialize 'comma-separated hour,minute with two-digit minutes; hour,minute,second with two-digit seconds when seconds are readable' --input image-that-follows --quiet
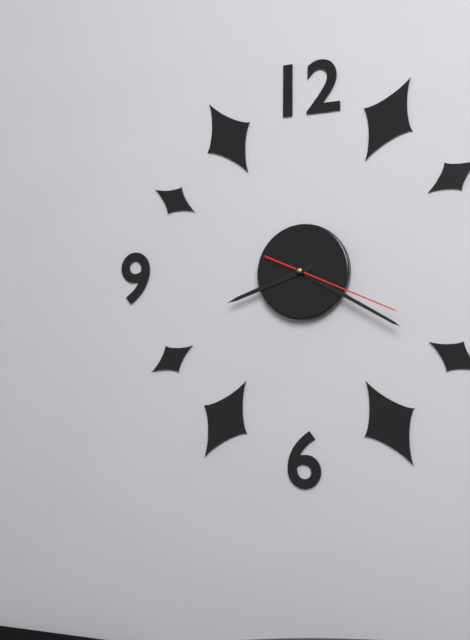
8,20,19
